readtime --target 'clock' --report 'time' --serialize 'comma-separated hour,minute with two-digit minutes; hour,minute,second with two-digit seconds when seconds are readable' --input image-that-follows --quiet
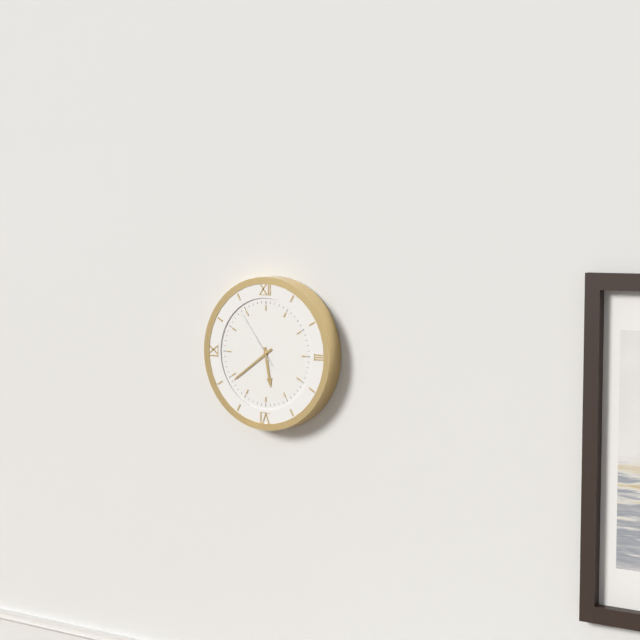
5,39,54
